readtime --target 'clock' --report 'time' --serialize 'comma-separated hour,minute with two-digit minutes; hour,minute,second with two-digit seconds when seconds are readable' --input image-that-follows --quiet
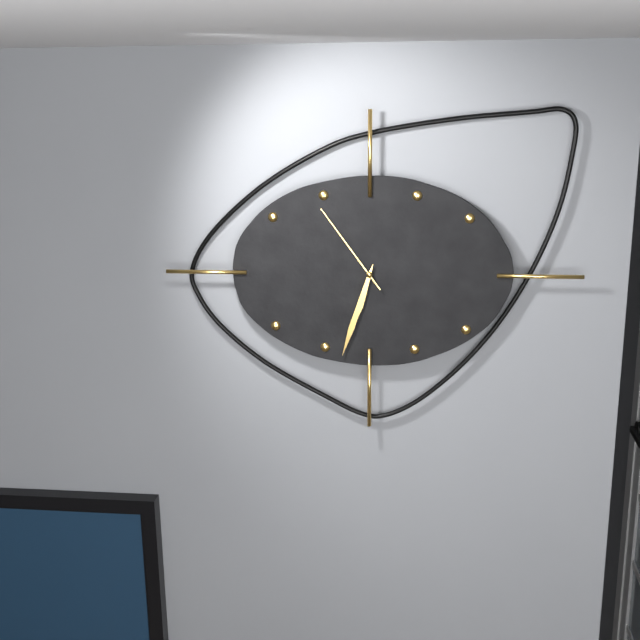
6,33,54
